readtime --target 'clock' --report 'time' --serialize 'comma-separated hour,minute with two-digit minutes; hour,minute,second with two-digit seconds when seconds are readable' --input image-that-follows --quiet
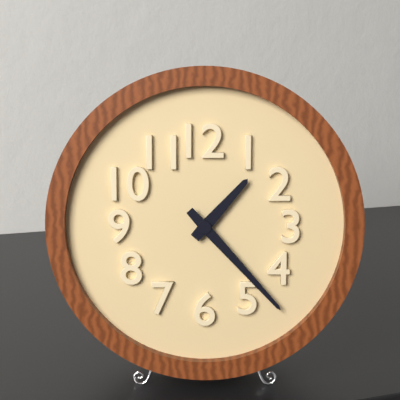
1,23
